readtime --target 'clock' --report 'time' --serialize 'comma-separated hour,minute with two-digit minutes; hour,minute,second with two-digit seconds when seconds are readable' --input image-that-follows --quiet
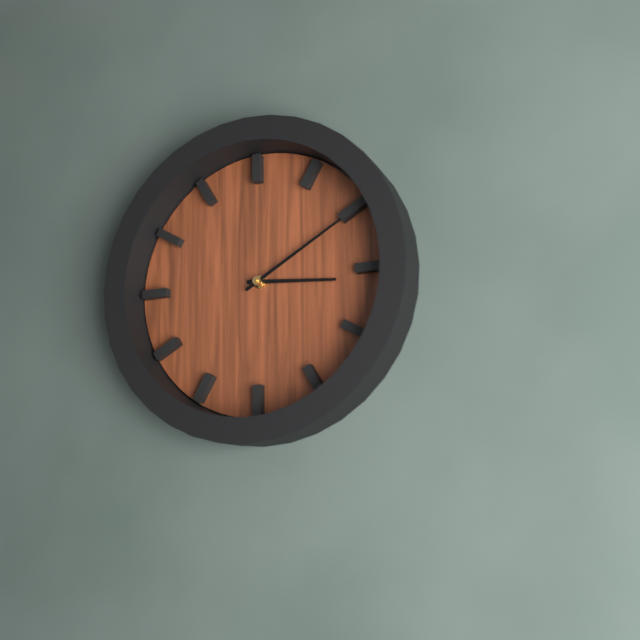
3,10
